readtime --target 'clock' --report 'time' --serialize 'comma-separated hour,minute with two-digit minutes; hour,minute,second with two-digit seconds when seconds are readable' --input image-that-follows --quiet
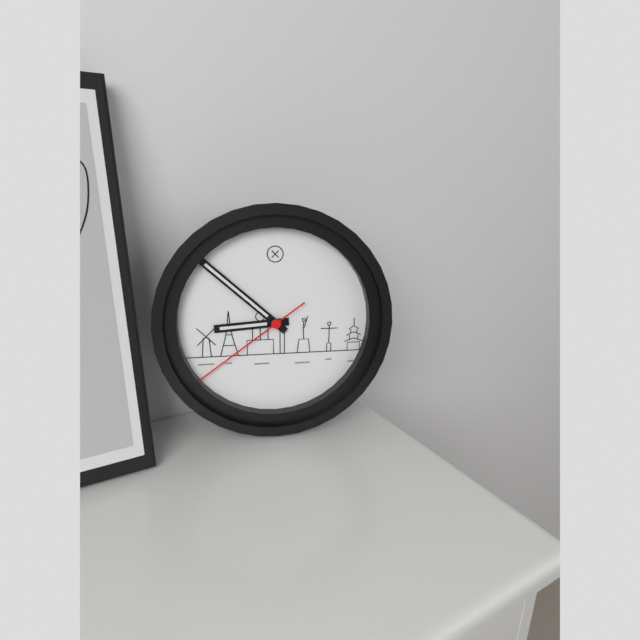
8,52,39
